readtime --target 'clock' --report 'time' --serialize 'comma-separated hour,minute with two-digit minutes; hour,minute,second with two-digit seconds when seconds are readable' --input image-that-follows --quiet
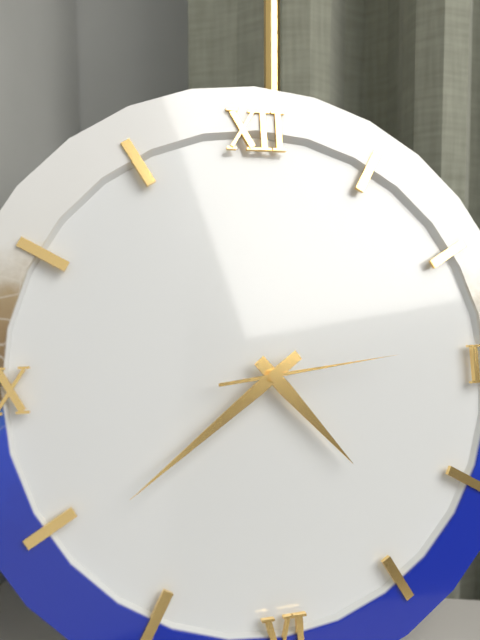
4,39,14
